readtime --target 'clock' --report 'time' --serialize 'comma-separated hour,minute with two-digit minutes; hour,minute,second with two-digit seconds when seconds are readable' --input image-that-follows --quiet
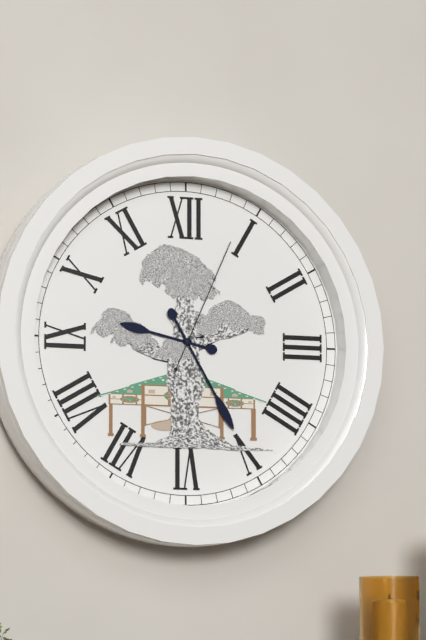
9,25,04
